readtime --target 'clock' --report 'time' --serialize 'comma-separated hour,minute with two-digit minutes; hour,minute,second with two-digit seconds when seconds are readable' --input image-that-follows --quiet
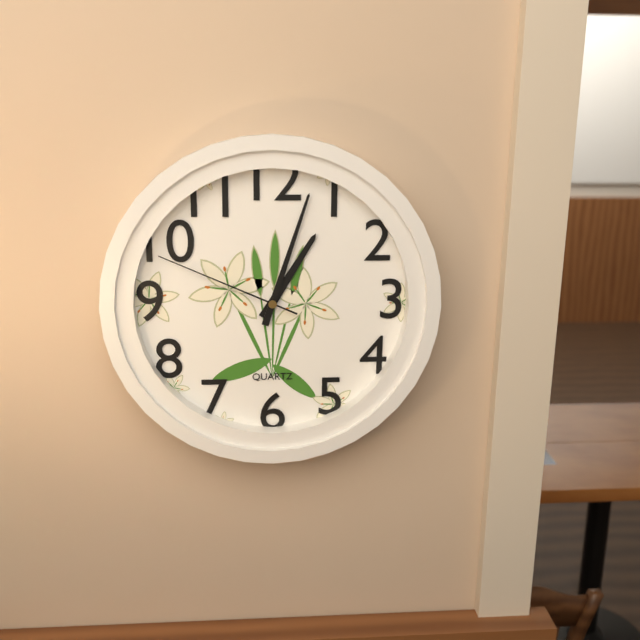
1,03,49
